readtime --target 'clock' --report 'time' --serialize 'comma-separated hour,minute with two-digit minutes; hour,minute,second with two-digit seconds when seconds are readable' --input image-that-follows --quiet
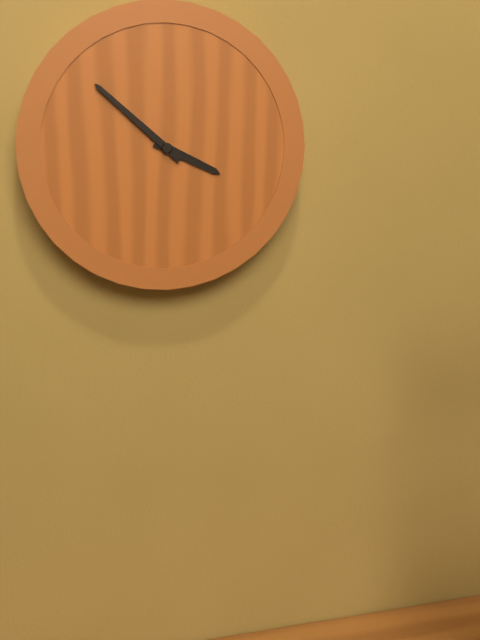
3,52
